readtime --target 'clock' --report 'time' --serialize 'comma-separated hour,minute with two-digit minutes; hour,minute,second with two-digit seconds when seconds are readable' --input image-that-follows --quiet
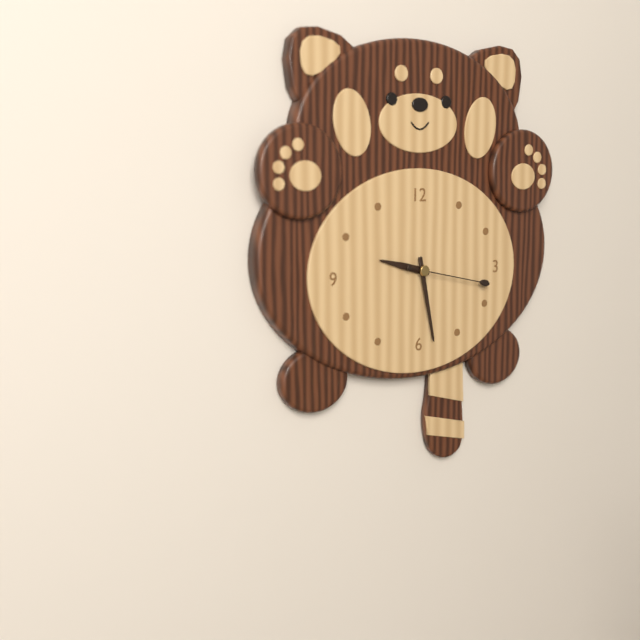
9,28,17
